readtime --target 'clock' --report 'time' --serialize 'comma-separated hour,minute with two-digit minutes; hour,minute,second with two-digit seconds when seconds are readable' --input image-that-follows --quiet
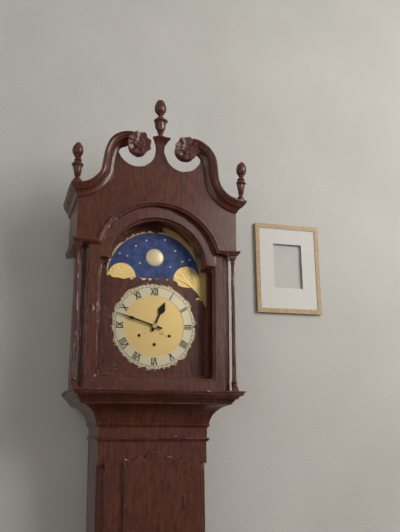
12,48
